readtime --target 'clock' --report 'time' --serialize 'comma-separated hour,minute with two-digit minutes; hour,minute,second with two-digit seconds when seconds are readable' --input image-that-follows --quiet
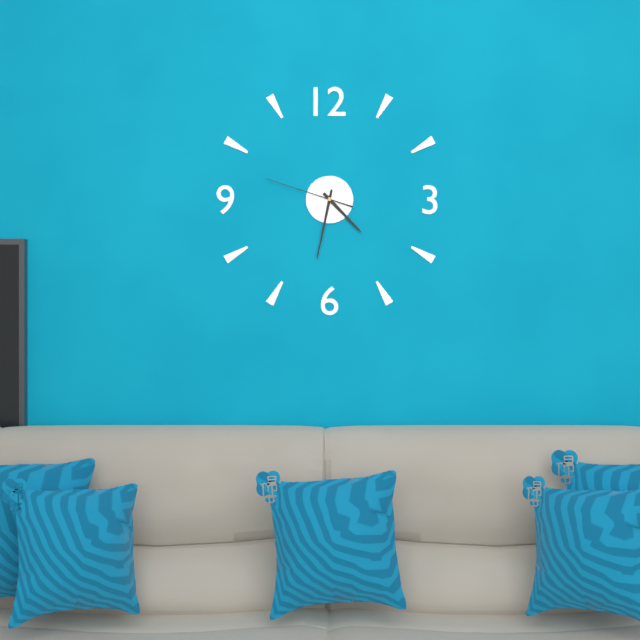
4,32,48
